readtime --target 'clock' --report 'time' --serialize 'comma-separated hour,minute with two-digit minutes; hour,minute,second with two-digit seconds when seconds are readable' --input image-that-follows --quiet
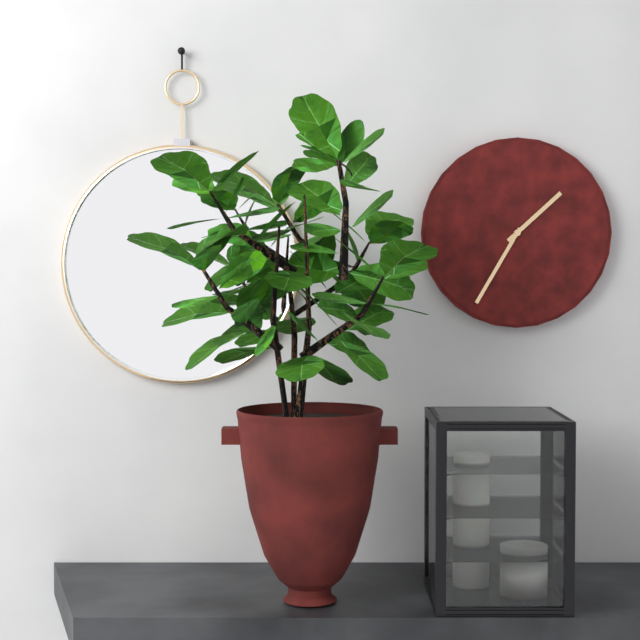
1,35
